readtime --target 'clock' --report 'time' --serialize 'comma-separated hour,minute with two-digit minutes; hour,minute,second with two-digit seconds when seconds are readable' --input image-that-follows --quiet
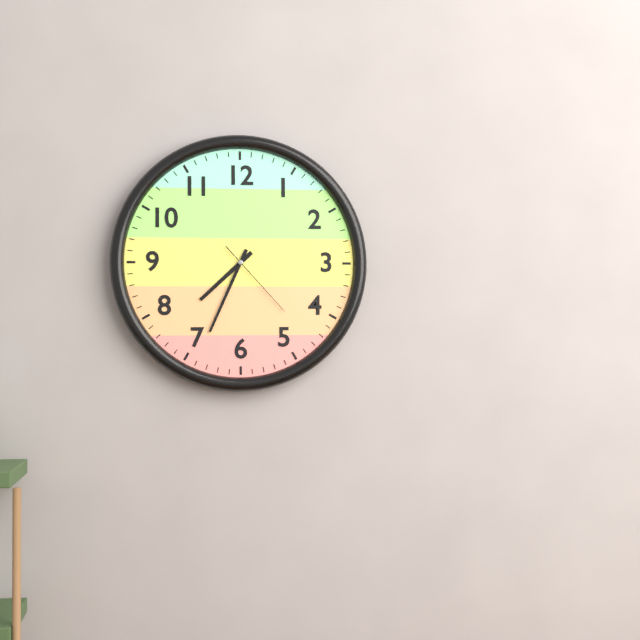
7,34,23
